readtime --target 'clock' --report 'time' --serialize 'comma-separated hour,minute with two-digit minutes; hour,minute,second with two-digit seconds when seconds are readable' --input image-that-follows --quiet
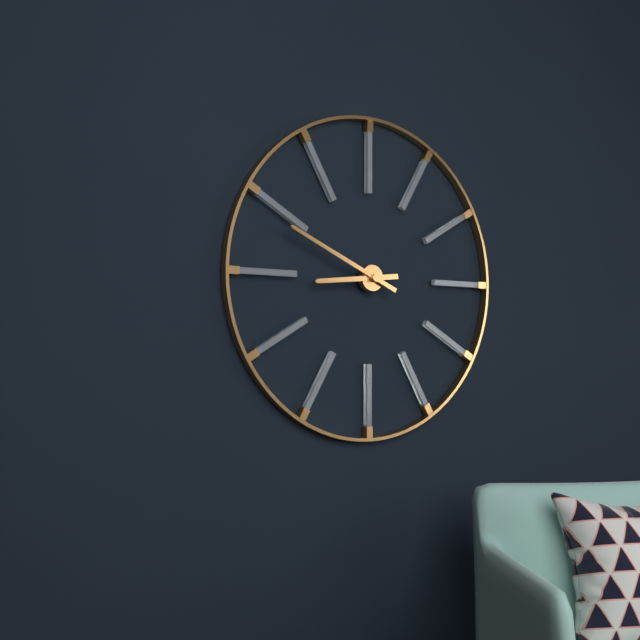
8,49
